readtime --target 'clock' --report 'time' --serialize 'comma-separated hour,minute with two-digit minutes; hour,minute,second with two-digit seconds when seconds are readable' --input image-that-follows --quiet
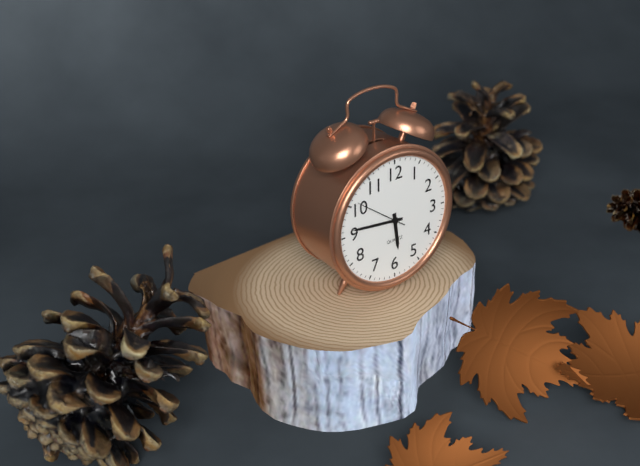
5,46,51
